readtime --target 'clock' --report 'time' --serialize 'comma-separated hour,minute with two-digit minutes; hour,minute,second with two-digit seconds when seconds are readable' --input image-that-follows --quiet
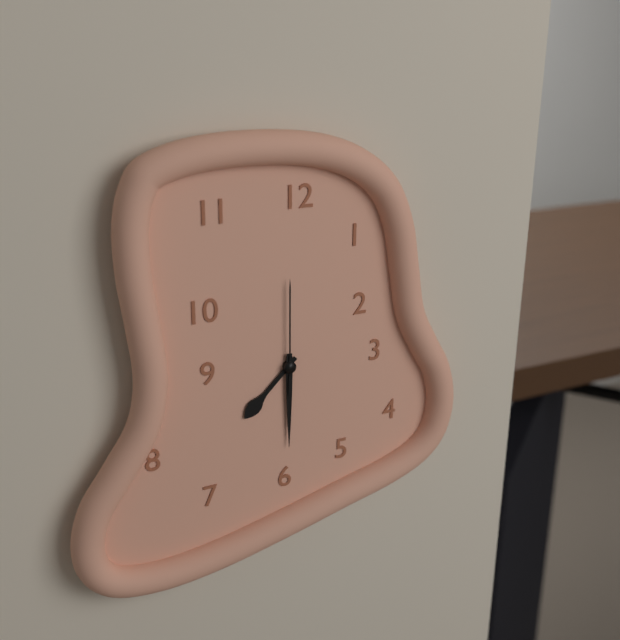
7,30,00
